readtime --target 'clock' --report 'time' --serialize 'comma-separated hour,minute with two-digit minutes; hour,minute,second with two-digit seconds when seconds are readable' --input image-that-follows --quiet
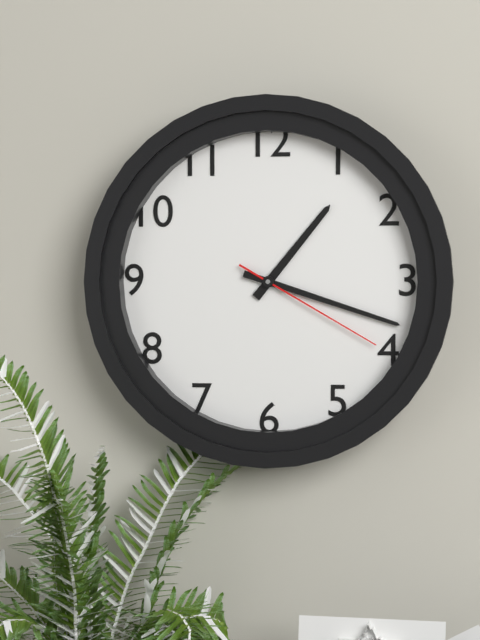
1,18,20
